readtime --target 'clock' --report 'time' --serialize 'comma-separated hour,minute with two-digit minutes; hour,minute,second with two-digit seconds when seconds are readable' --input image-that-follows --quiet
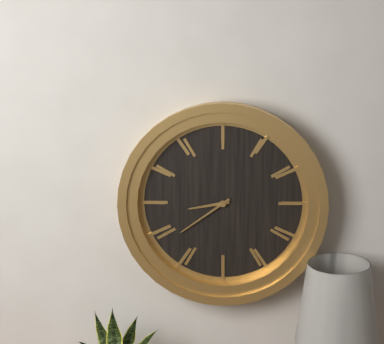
8,39
